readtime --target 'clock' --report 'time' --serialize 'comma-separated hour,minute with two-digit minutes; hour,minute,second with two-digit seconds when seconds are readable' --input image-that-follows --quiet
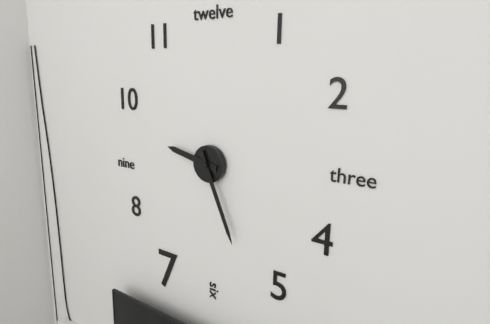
9,26
